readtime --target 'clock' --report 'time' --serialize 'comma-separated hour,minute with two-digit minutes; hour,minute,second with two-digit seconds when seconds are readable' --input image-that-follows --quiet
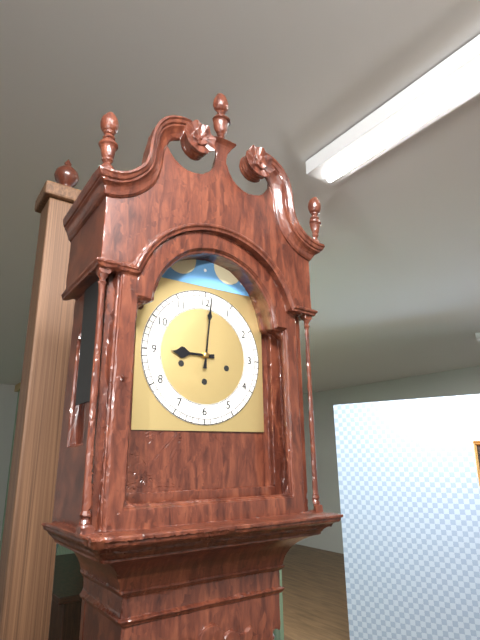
9,01
